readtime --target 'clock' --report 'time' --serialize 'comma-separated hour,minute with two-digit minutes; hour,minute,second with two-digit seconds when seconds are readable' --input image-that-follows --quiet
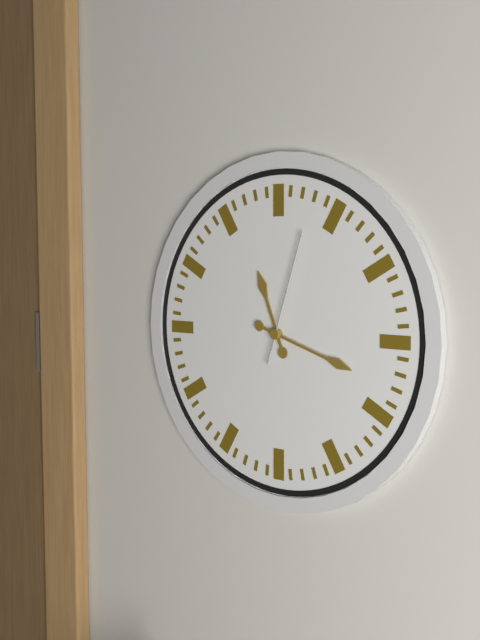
11,18,03
